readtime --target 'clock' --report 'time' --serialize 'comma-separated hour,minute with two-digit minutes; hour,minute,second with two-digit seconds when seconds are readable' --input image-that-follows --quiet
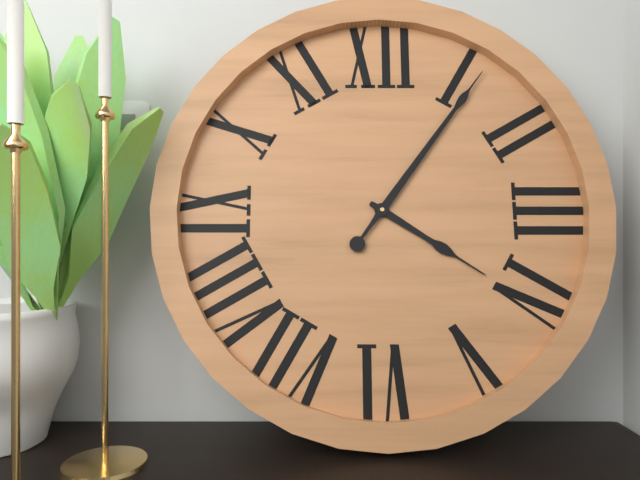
4,06
